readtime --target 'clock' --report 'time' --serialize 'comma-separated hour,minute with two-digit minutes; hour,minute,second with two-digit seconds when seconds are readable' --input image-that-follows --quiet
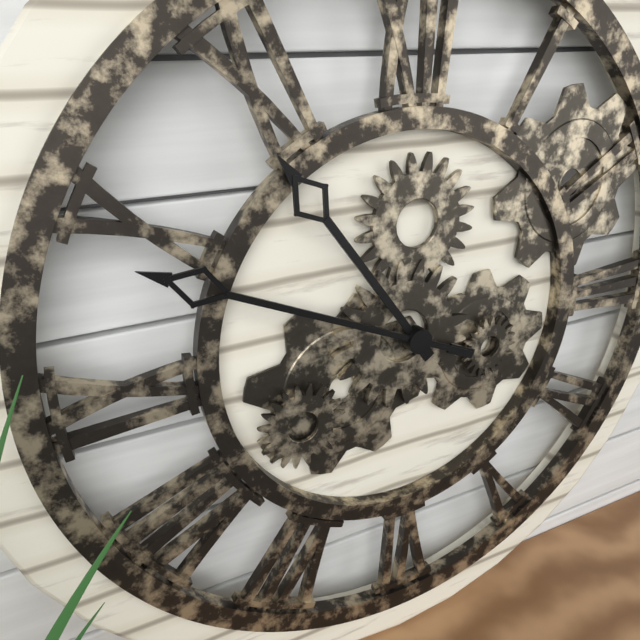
10,49
